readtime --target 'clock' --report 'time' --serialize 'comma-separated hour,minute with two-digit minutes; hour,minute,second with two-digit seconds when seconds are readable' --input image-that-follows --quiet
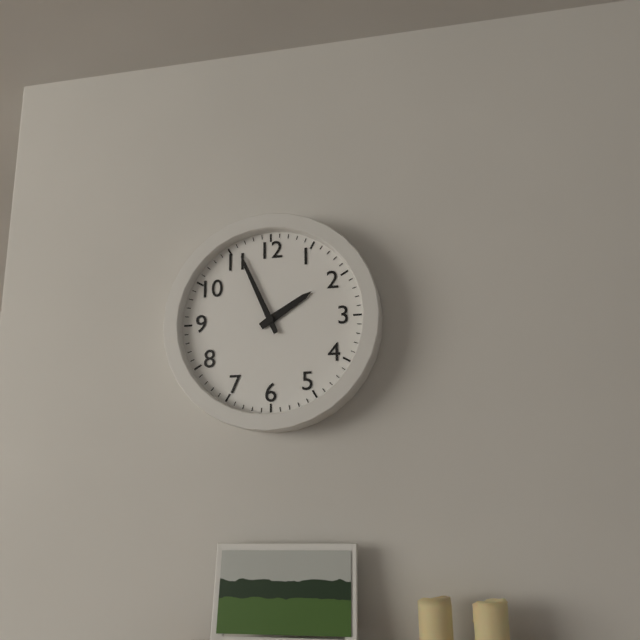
1,56
